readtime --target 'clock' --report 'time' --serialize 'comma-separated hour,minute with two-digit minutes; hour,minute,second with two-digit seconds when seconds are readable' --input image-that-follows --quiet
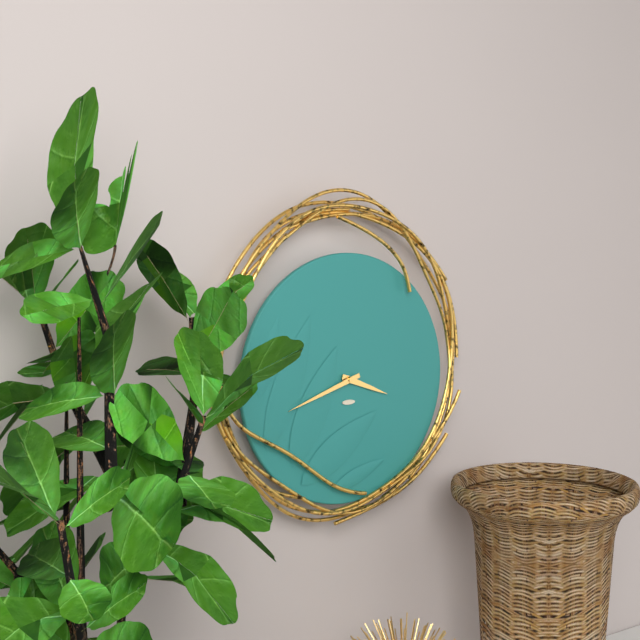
3,42
